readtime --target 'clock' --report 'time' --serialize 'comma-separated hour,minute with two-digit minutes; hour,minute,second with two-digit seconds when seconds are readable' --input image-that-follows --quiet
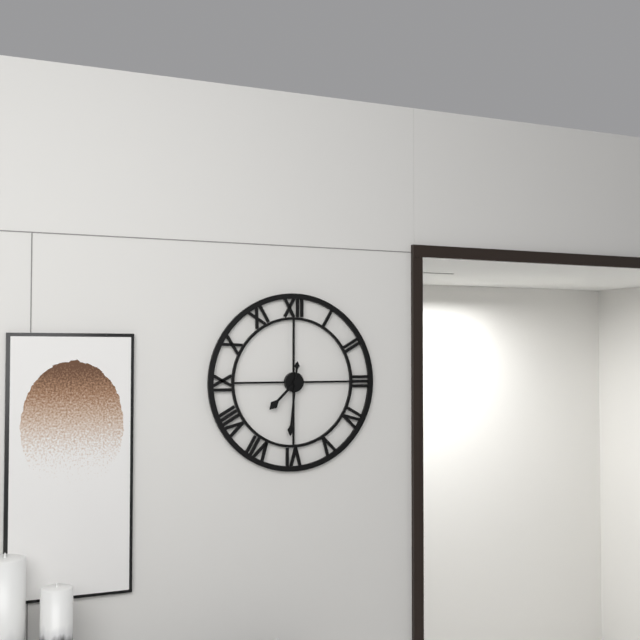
7,31
